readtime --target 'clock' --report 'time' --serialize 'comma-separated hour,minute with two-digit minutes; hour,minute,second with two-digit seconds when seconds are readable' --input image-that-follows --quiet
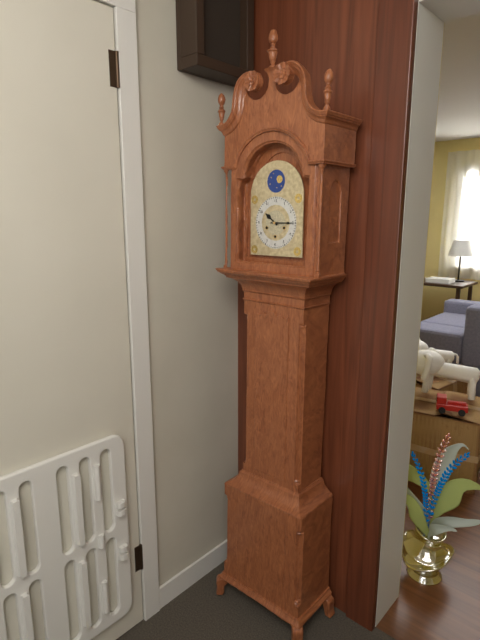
10,15
